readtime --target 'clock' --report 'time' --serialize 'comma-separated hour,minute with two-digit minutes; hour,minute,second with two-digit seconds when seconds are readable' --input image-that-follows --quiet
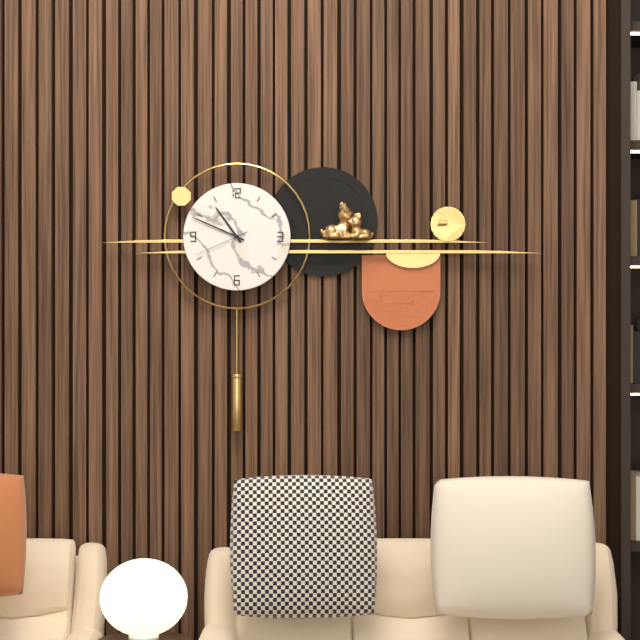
10,49,41
